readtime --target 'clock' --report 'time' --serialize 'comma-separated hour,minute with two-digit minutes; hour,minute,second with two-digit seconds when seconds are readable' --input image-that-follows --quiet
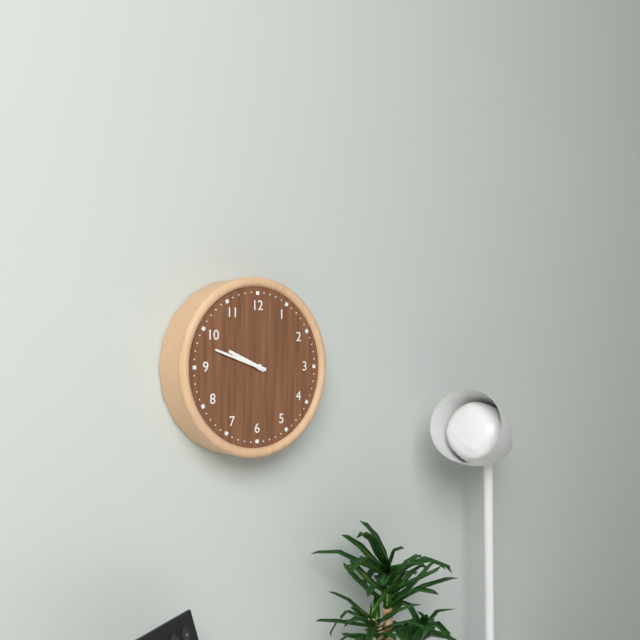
9,48
